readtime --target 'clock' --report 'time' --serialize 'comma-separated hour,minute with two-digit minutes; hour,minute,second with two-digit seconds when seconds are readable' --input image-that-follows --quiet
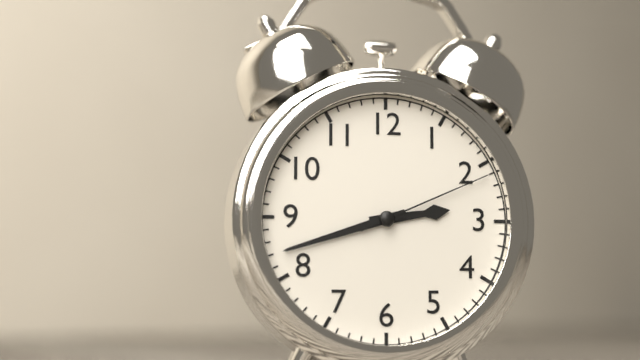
2,42,11
